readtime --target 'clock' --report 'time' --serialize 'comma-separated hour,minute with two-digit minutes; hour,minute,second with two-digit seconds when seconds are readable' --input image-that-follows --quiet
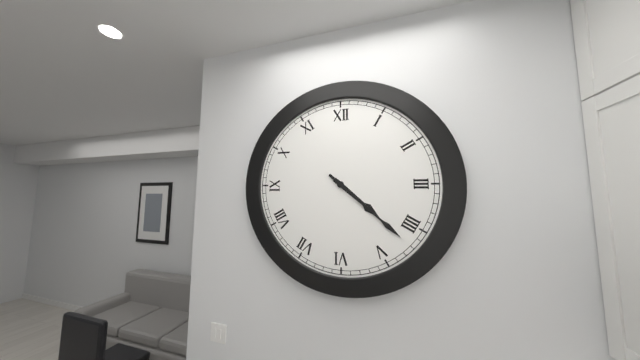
4,22
